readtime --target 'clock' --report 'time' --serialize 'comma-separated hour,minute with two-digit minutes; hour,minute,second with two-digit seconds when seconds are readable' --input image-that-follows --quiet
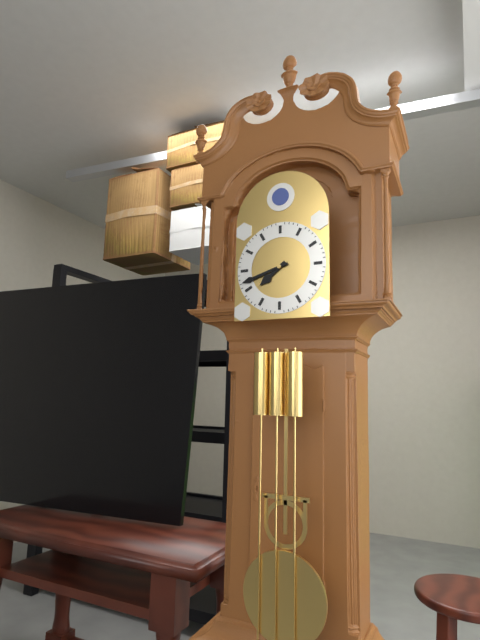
7,42
